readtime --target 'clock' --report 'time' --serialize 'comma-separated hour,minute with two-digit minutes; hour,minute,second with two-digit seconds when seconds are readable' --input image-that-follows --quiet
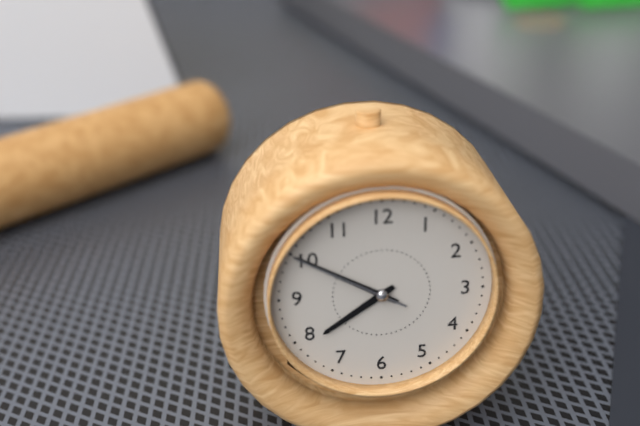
7,50,50
